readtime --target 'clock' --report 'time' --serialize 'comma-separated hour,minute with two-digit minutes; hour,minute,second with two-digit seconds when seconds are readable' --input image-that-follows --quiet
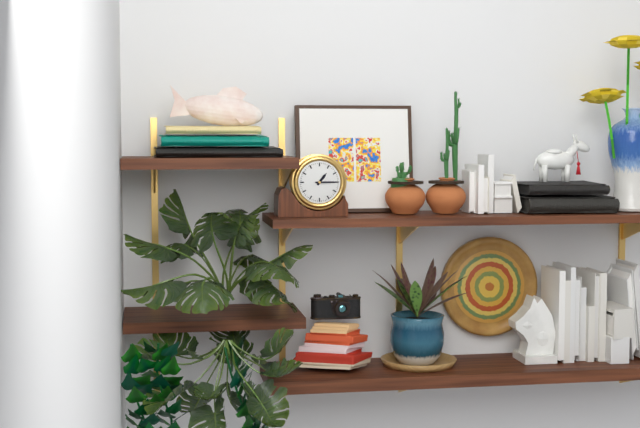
1,15
